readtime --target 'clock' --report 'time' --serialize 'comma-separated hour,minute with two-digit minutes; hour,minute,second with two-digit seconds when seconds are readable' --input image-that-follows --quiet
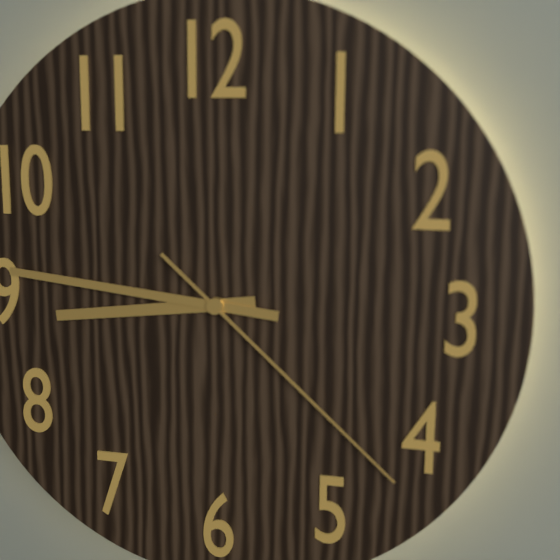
8,46,22
